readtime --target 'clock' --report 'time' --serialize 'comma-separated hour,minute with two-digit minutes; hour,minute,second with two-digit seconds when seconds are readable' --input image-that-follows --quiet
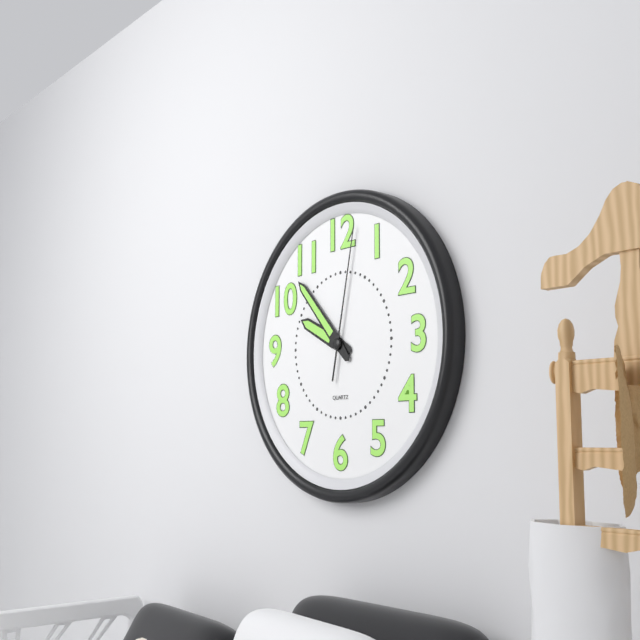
9,53,02
